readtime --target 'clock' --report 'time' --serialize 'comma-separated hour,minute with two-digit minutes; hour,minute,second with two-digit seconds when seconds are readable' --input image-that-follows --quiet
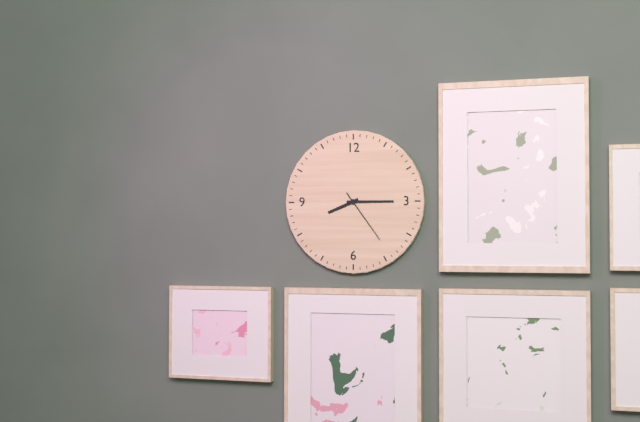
8,15,24
